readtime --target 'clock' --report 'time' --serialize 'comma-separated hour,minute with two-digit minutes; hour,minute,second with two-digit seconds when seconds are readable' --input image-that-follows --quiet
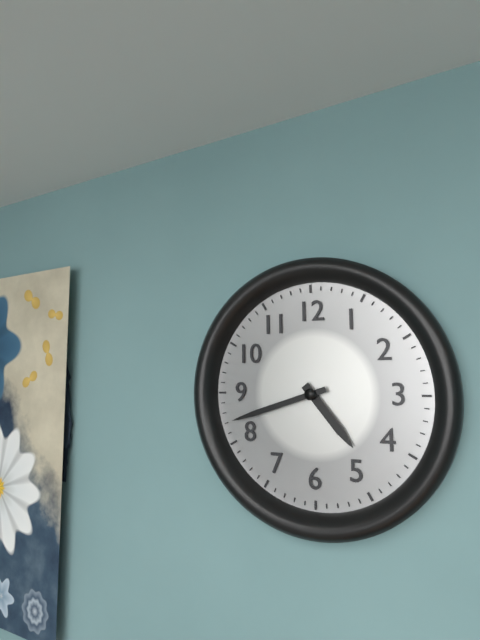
4,42
